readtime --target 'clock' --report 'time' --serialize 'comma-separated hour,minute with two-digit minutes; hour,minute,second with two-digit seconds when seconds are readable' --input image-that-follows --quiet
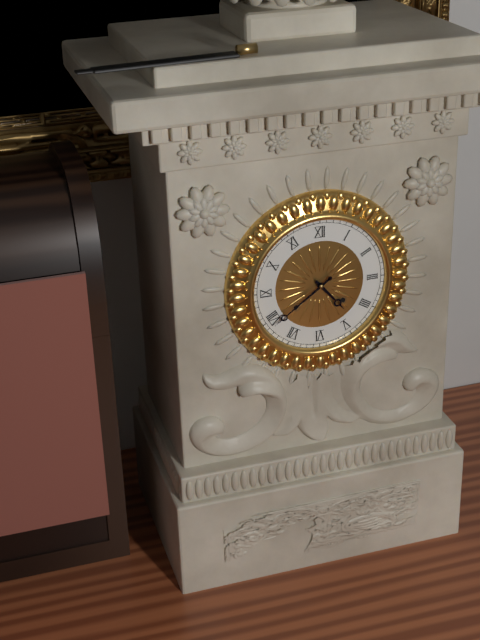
4,39
